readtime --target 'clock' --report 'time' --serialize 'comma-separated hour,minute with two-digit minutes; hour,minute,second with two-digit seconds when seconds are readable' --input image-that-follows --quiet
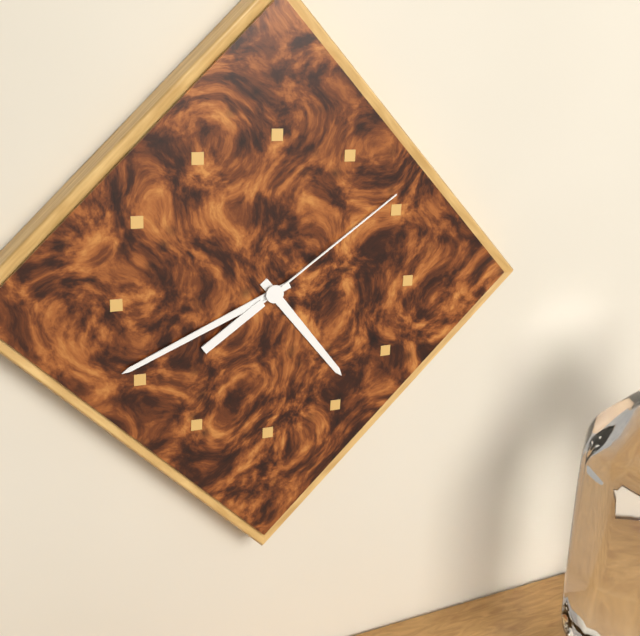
4,41,09
